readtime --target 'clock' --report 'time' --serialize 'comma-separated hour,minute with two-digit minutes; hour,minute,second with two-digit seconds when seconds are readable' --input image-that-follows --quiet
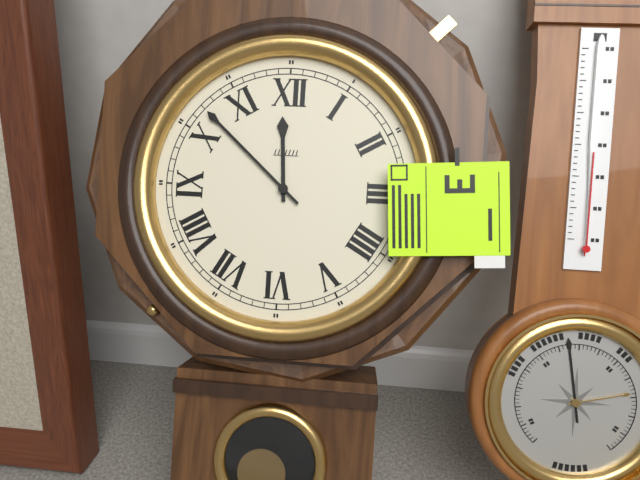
11,52
